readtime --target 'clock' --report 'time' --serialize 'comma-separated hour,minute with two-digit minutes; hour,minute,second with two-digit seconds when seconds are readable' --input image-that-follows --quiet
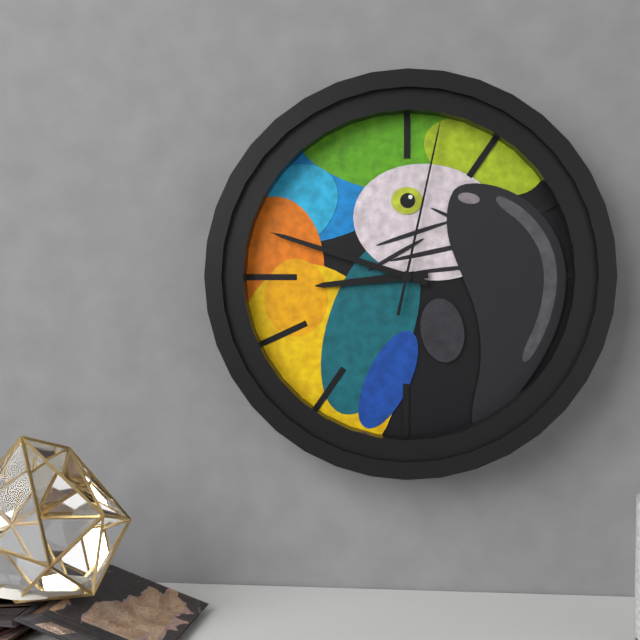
8,48,02
